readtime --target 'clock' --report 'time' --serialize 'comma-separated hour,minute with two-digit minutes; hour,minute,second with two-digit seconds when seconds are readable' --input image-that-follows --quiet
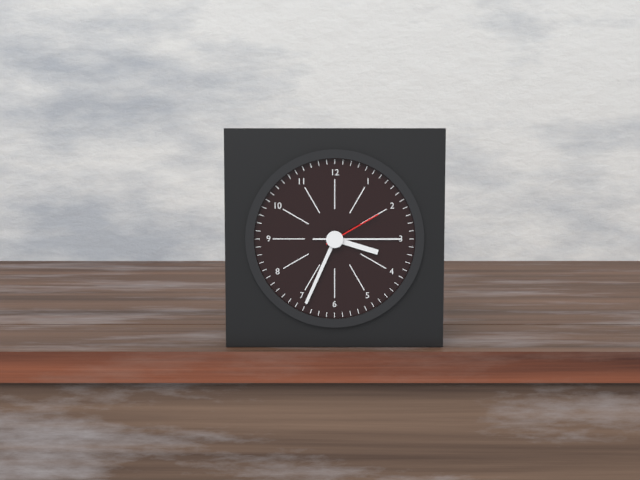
3,34,10
